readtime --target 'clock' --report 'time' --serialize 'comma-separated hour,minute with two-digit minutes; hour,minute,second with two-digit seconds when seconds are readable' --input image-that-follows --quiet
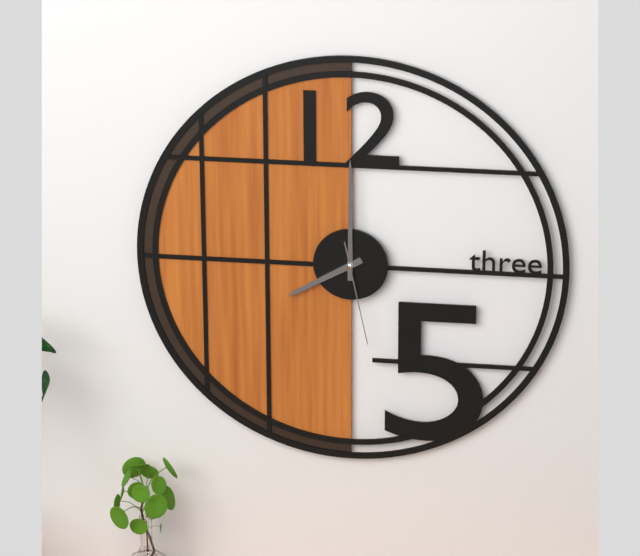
8,00,28
